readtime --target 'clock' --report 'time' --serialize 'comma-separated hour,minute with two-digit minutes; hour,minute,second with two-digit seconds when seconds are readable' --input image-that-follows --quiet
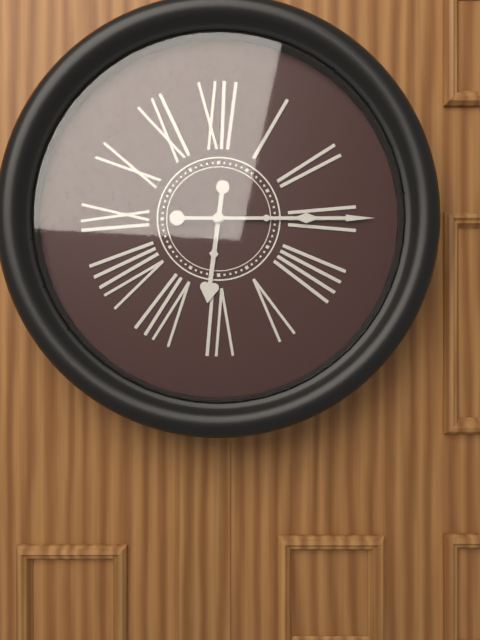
6,15
